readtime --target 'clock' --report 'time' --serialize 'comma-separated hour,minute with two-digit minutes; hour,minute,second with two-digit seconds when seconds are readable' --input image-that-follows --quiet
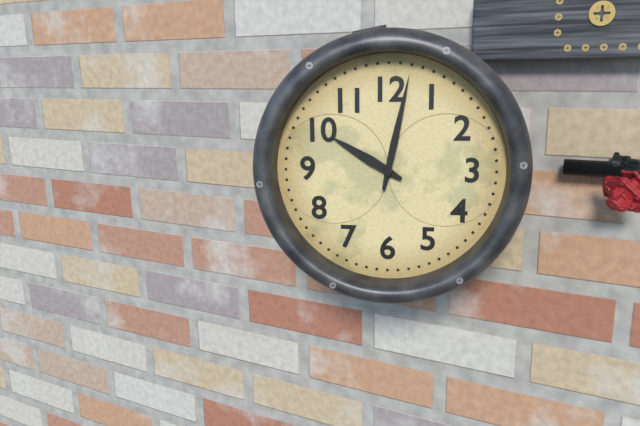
10,02
